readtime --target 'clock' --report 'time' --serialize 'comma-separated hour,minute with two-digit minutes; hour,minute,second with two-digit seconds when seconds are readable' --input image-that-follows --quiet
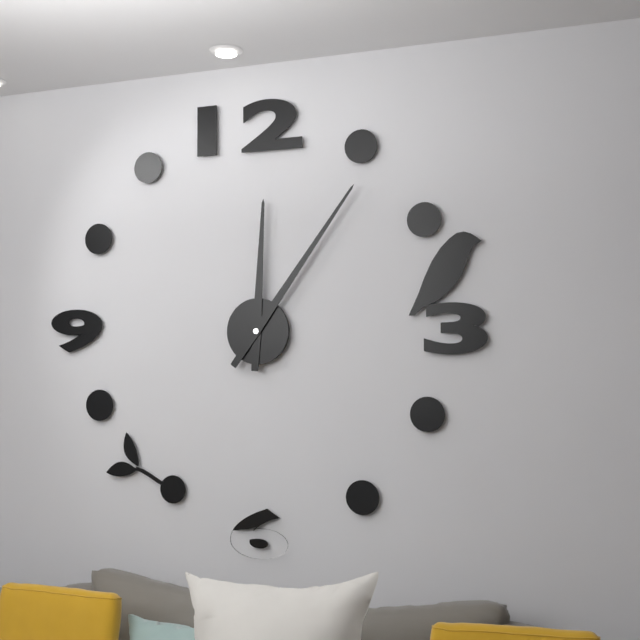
12,06
